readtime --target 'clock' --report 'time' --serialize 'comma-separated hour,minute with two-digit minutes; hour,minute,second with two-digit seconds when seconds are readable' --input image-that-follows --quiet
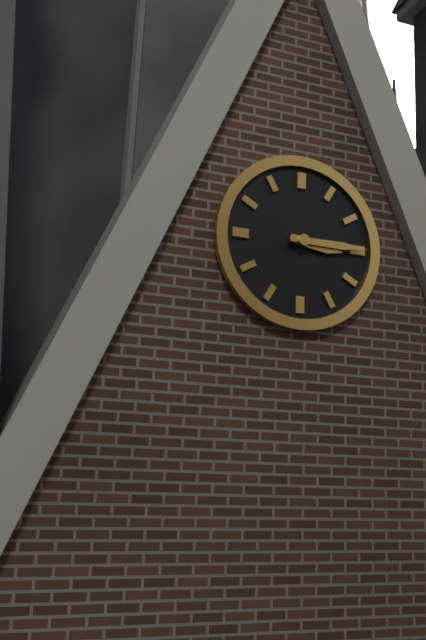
3,15
